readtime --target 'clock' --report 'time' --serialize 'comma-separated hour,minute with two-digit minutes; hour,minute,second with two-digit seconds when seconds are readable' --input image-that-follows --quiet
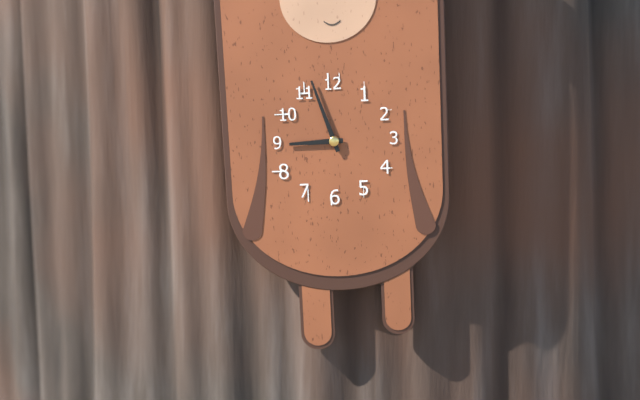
8,57
